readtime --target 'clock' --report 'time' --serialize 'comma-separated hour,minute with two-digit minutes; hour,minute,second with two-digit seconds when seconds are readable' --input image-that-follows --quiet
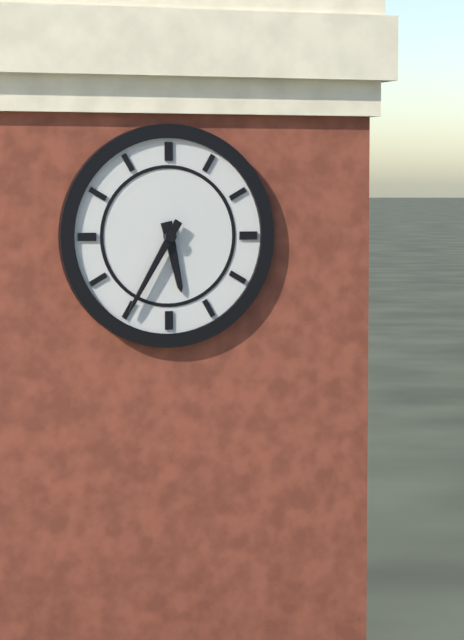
5,35
